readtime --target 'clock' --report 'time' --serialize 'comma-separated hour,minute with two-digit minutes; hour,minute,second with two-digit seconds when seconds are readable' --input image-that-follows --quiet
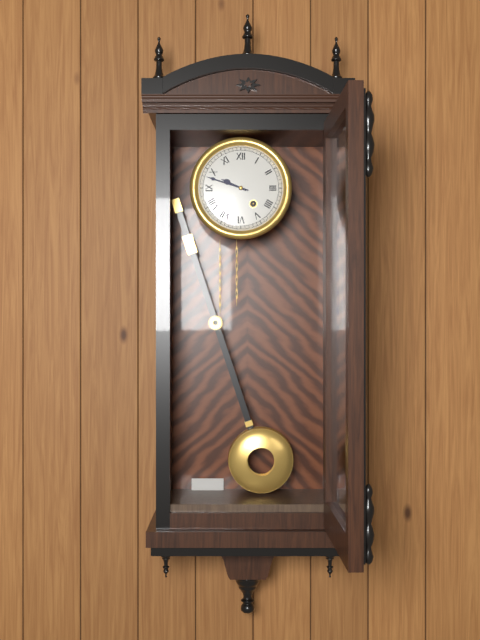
9,48
